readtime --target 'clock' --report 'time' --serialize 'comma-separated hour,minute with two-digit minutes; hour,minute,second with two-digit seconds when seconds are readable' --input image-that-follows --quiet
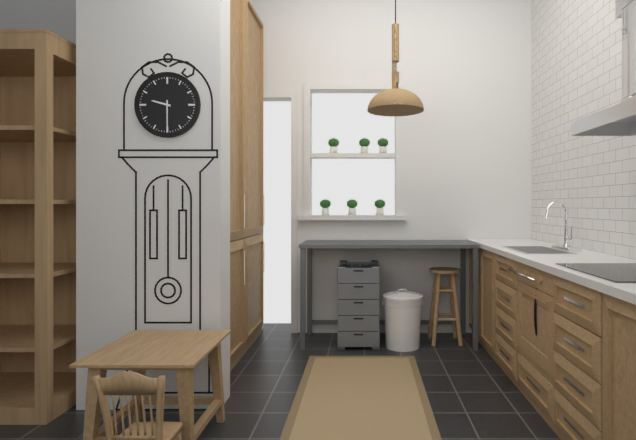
9,30
